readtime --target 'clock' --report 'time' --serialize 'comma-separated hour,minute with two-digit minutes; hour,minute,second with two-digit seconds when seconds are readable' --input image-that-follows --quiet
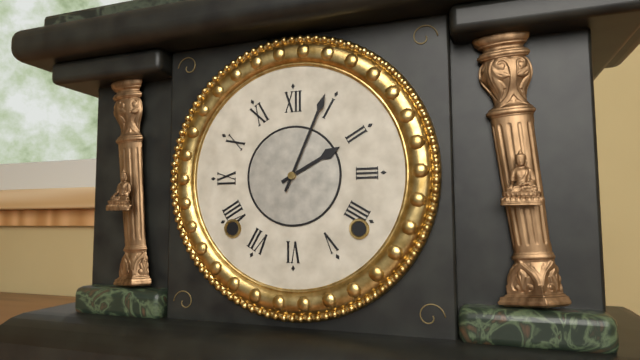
2,04
